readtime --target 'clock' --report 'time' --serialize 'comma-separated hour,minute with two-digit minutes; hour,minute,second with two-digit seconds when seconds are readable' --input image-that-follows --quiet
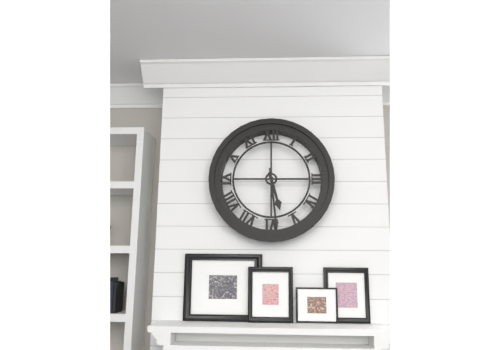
5,29
